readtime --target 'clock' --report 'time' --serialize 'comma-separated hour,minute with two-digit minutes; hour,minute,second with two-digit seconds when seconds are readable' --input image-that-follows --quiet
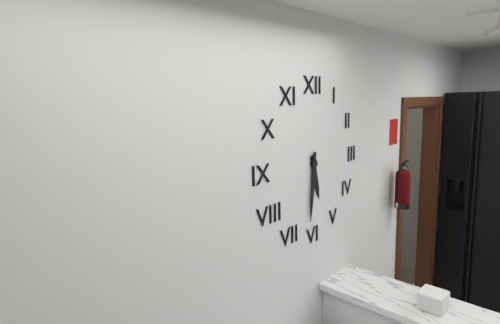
5,31
